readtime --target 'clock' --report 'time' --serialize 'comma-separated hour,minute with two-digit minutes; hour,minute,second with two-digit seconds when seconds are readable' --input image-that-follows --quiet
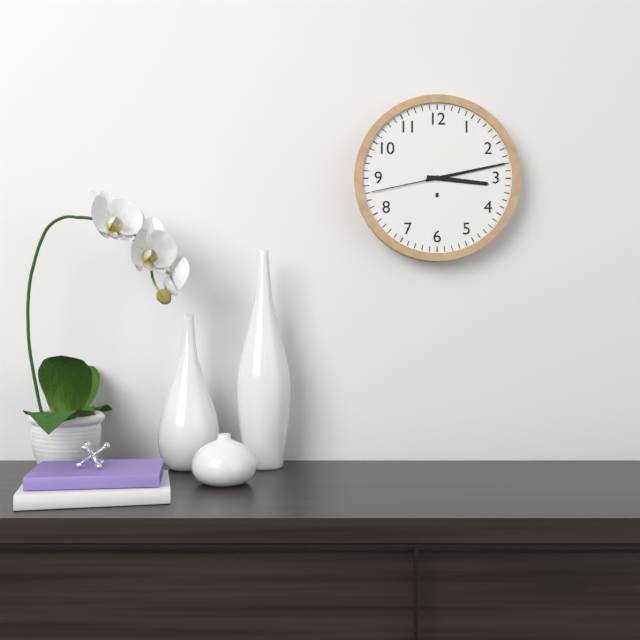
3,13,43
